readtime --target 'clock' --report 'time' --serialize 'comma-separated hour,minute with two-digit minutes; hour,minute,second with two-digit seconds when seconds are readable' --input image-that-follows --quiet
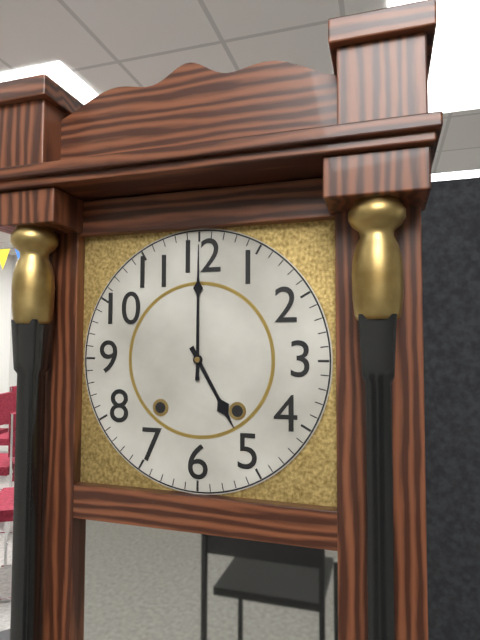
5,00
